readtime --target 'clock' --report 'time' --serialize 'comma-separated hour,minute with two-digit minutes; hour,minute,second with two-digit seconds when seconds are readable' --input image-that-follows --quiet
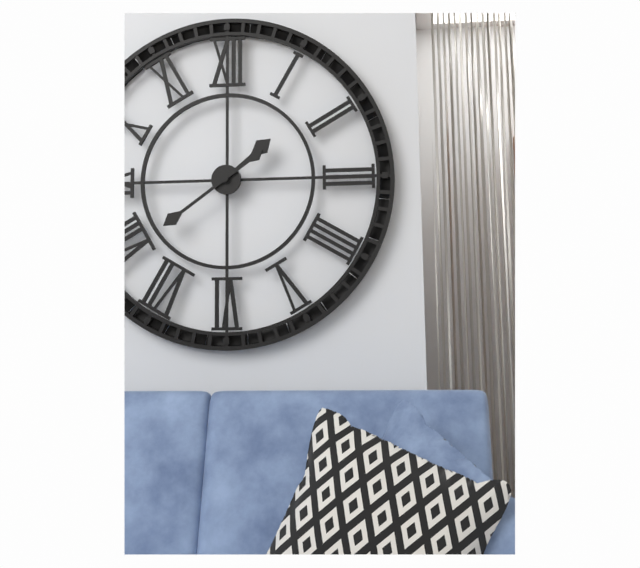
1,39
